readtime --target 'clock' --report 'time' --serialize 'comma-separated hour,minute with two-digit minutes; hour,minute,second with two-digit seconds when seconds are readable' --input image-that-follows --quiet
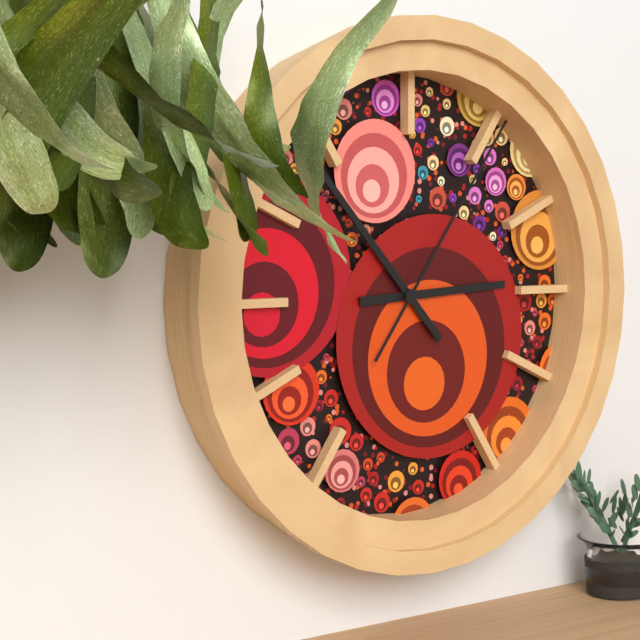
2,53,06
